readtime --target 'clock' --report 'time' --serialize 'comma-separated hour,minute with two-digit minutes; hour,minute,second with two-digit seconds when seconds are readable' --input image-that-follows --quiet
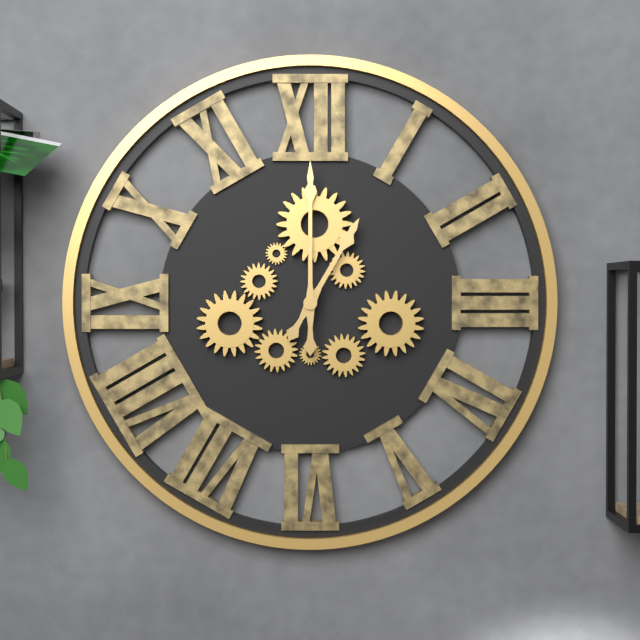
1,00
